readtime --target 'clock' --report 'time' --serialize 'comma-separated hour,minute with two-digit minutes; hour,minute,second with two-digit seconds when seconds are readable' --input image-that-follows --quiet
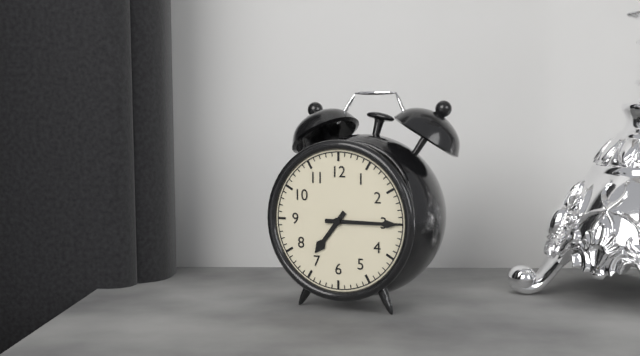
7,15
